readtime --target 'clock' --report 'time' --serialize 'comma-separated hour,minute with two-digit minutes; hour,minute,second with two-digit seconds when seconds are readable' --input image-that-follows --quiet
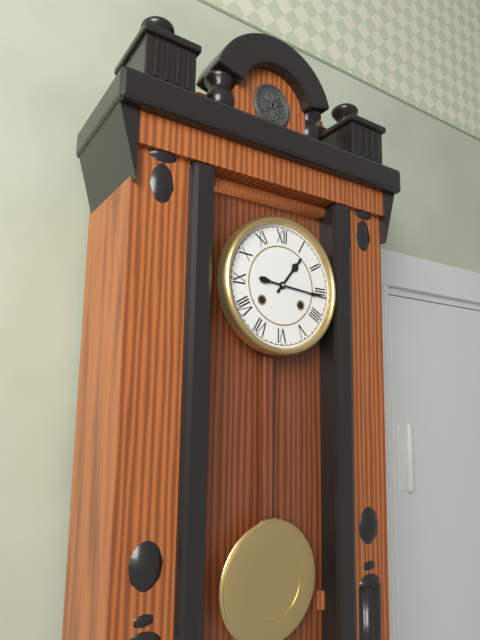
1,16
